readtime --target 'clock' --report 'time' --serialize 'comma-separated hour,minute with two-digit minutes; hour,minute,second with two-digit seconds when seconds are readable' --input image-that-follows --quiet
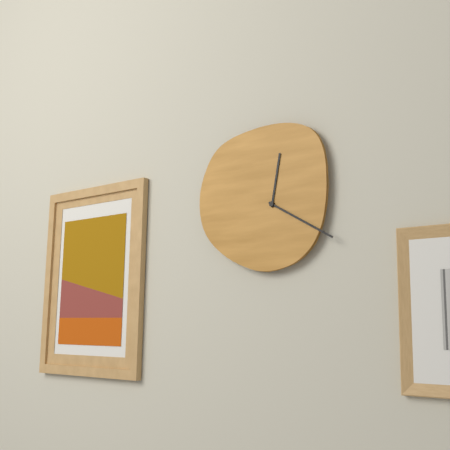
12,20
